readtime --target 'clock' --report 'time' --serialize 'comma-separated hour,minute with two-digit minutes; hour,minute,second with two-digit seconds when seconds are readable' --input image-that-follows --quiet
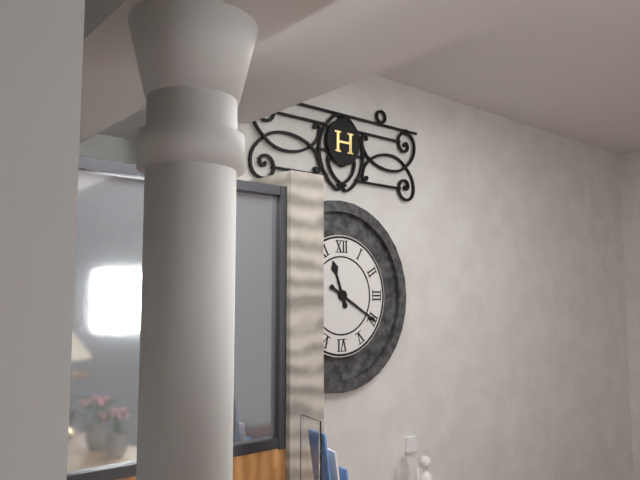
11,20
